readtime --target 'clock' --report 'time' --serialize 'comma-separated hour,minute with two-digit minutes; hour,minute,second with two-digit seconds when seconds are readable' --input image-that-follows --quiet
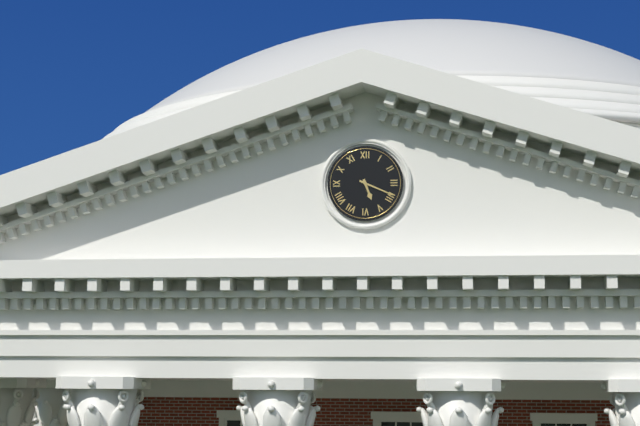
5,19
